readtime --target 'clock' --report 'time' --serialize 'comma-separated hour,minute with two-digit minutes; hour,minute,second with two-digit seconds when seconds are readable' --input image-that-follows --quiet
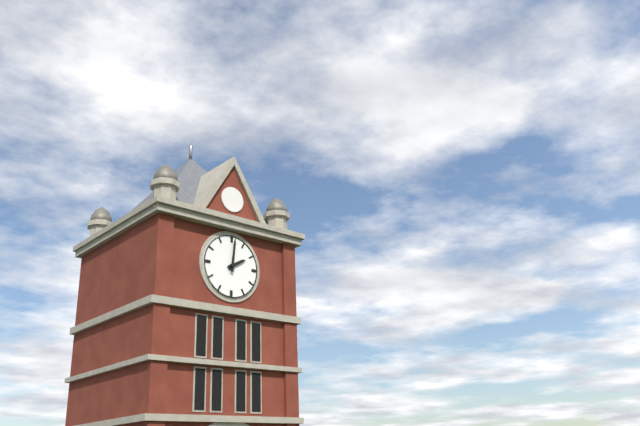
2,01
